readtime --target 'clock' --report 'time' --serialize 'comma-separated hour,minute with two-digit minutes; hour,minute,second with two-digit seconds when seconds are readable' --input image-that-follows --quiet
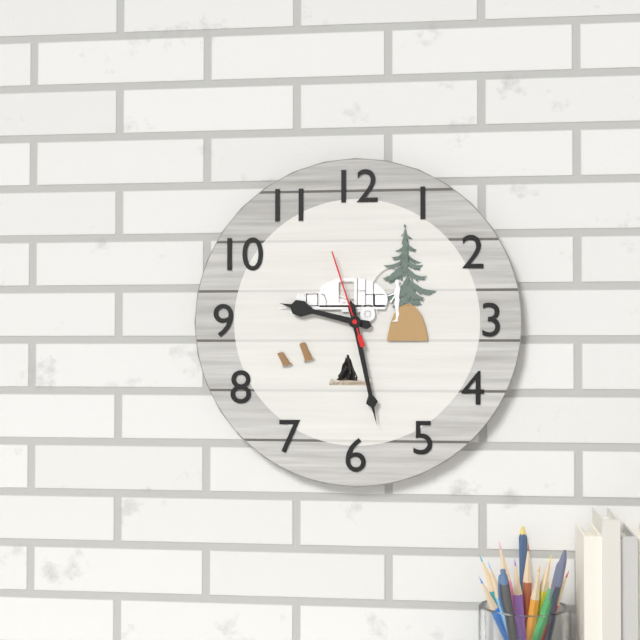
9,28,57
